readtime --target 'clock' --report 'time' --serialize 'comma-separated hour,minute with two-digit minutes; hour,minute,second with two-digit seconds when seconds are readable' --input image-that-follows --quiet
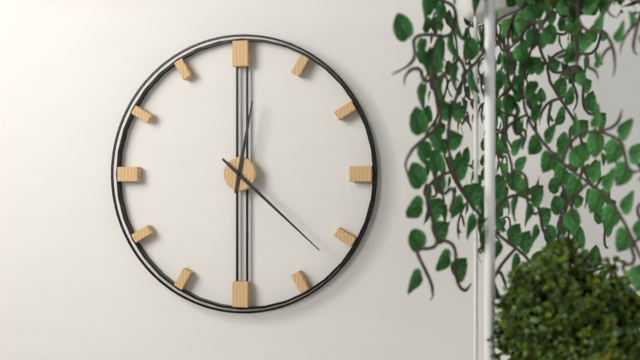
12,22
